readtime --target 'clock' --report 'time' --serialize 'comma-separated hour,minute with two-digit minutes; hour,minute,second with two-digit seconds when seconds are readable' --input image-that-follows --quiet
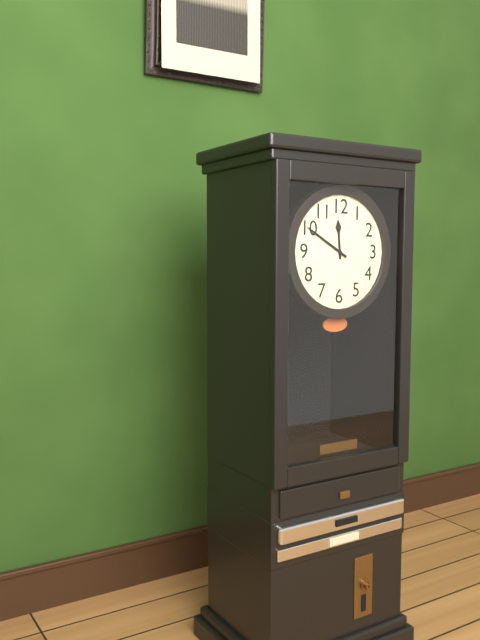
11,50
